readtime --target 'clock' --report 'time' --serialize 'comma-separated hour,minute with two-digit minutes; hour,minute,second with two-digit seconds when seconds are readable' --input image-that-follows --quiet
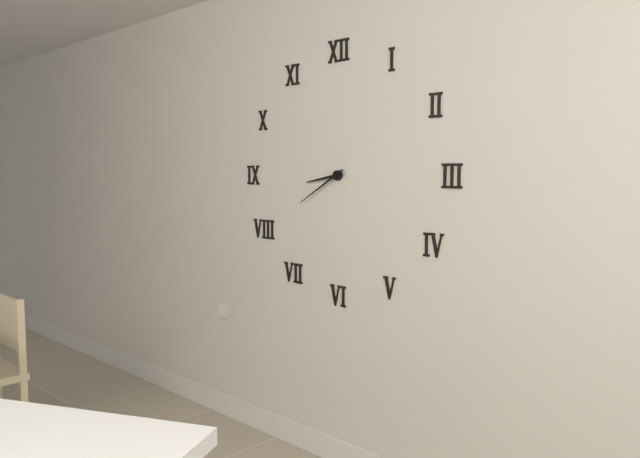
8,40
